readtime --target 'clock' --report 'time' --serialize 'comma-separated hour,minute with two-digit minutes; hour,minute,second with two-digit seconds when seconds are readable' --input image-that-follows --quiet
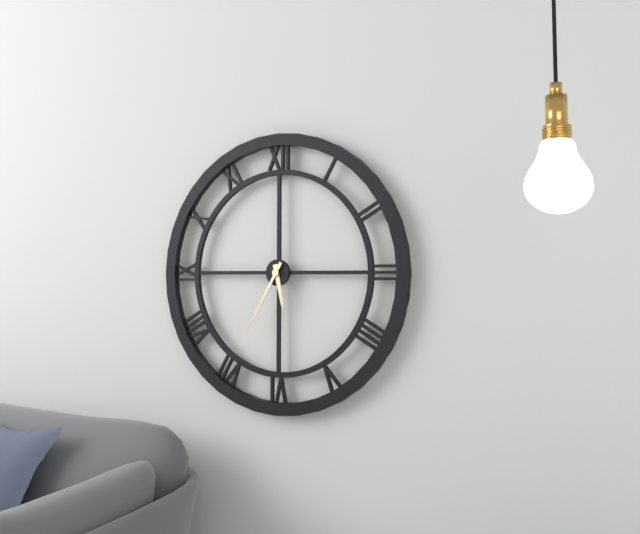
5,35
